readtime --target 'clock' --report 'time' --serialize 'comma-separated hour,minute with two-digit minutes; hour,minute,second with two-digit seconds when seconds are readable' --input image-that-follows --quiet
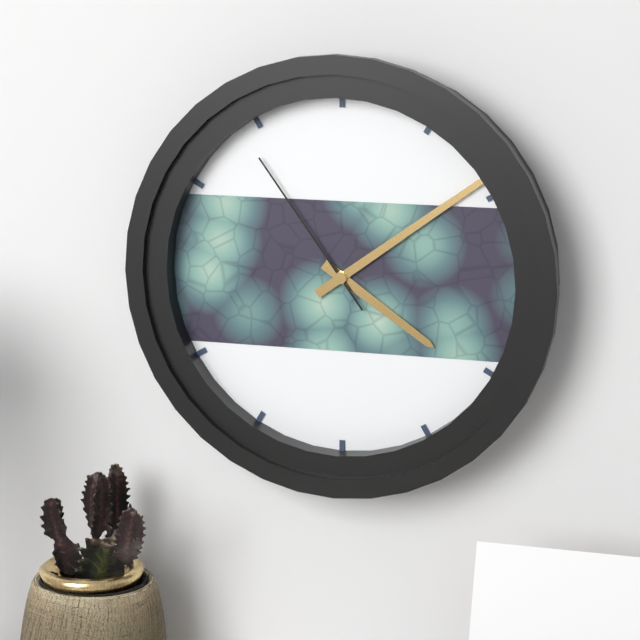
4,09,54
